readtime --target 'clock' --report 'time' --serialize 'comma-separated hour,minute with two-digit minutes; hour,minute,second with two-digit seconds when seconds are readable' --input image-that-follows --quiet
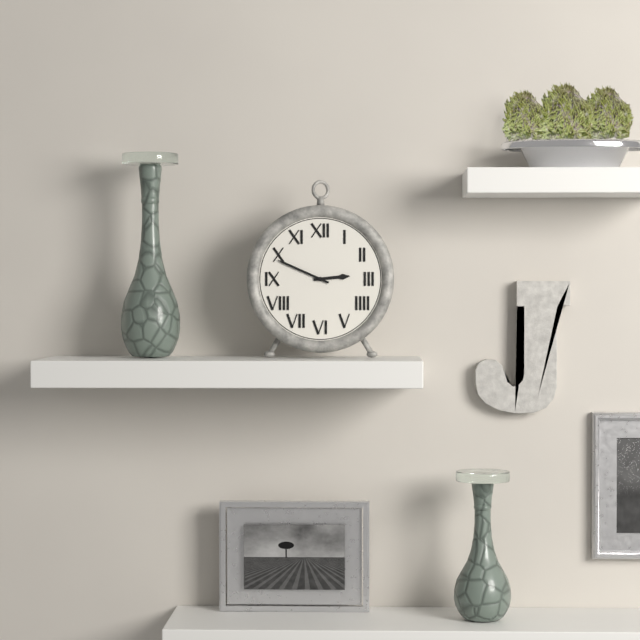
2,49
